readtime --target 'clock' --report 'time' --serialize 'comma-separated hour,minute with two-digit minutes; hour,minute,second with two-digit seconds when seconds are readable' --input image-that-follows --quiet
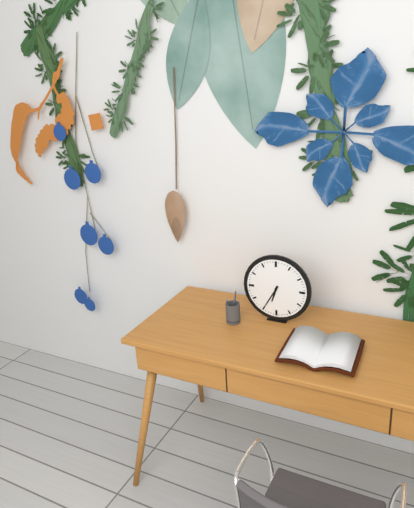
6,35
